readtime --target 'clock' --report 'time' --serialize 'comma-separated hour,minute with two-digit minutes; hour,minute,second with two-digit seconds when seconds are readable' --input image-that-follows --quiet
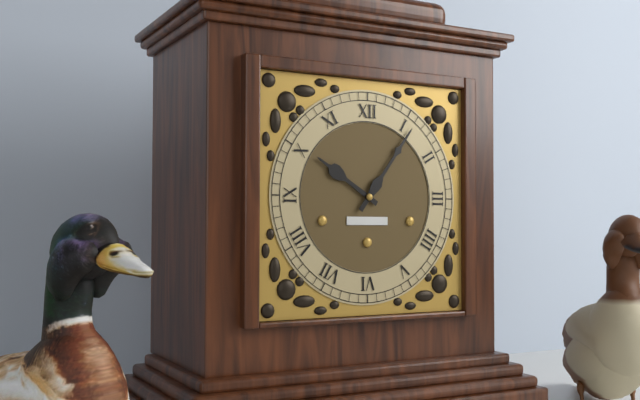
10,06
